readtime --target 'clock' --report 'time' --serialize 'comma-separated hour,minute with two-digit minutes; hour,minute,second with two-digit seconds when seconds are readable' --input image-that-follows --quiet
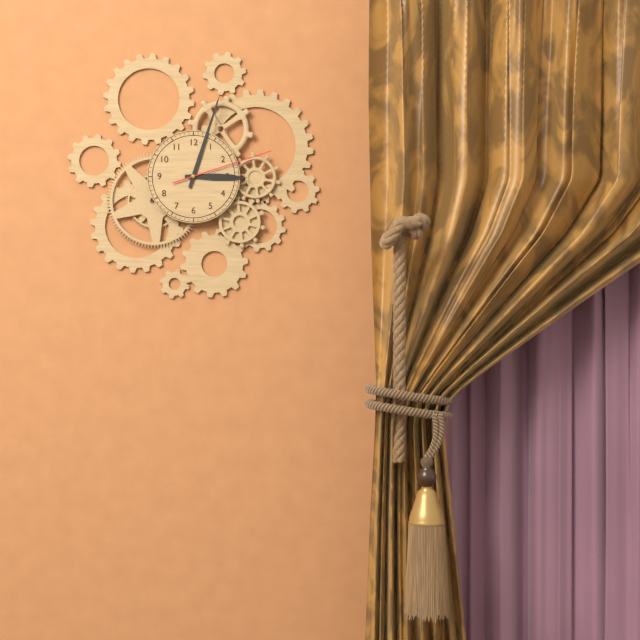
3,03,12
